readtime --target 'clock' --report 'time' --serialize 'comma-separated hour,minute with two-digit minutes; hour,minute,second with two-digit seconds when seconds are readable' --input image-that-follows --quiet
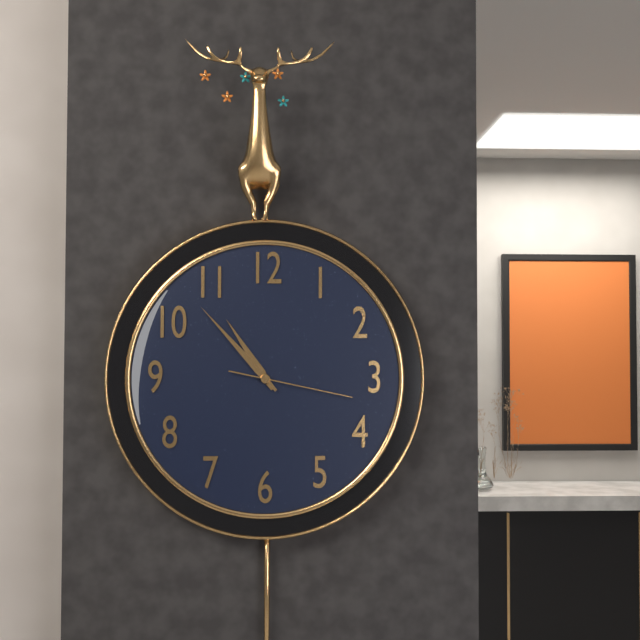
10,53,17
